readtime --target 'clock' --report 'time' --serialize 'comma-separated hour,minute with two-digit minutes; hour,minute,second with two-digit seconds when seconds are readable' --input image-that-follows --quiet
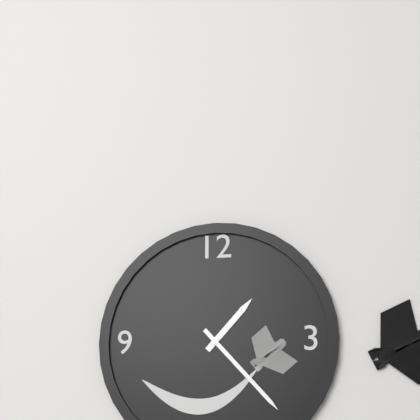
1,23
